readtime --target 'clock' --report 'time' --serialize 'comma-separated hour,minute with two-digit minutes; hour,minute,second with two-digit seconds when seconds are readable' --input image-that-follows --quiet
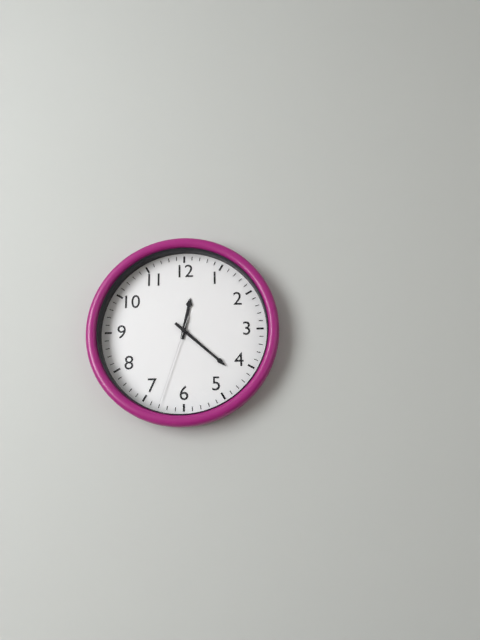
12,22,33
